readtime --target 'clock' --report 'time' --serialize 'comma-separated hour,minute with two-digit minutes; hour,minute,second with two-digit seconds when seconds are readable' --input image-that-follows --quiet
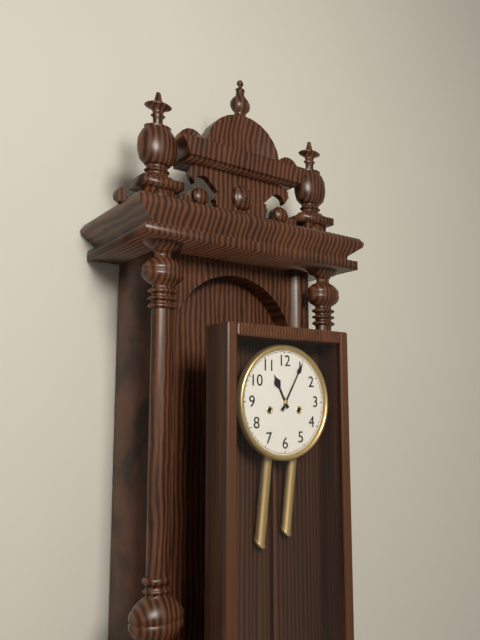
11,05
